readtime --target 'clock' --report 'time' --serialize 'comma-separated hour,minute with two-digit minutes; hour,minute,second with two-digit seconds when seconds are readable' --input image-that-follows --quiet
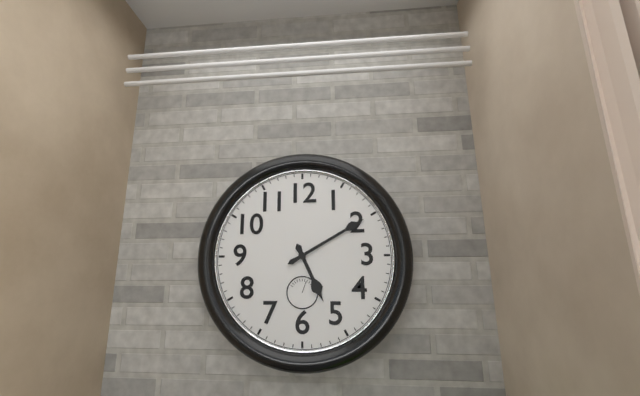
5,10
